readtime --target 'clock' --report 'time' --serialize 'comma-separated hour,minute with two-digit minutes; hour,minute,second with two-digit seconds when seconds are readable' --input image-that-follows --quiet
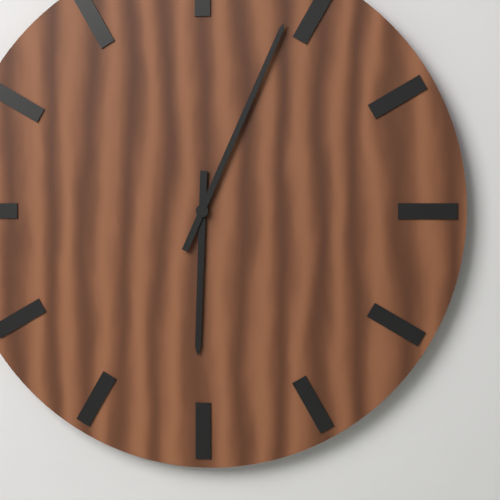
6,04
